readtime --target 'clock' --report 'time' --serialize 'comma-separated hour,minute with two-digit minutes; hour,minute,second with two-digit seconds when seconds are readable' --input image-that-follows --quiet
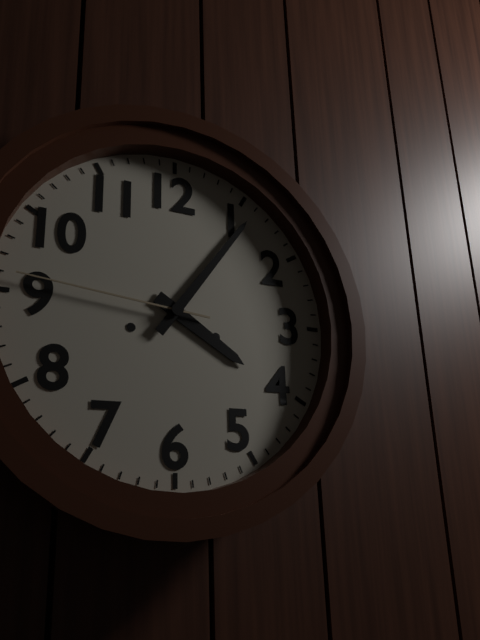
4,06,46
